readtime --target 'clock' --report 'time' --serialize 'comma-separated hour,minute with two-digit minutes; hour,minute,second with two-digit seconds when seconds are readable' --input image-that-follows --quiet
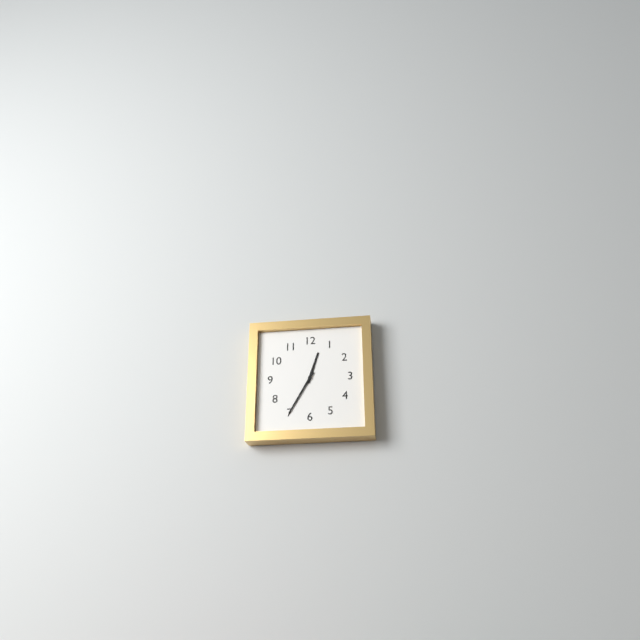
12,35
